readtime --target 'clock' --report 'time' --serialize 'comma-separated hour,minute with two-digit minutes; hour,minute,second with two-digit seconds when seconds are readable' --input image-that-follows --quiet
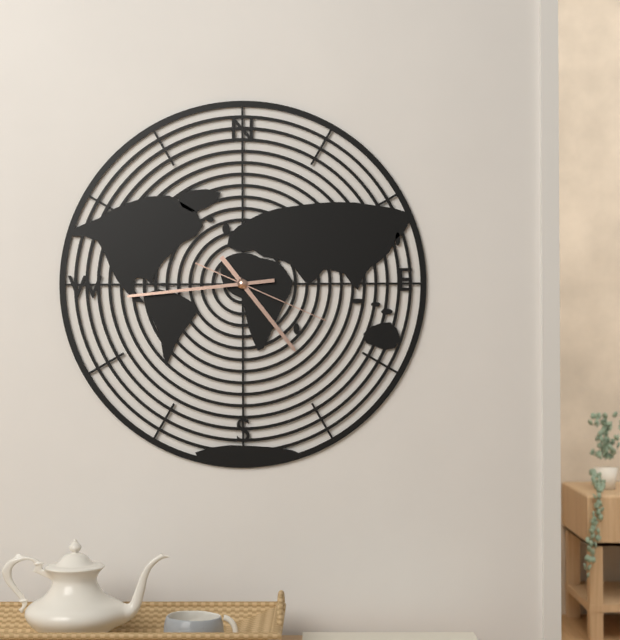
4,44,19
